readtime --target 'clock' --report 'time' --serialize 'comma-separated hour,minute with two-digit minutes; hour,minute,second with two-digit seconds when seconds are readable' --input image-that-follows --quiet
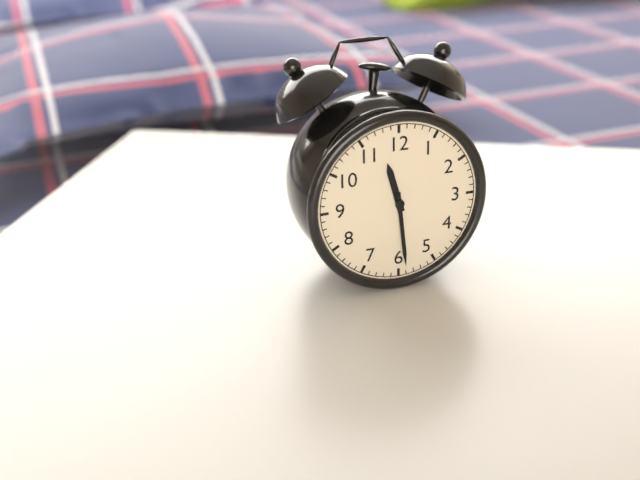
11,29
